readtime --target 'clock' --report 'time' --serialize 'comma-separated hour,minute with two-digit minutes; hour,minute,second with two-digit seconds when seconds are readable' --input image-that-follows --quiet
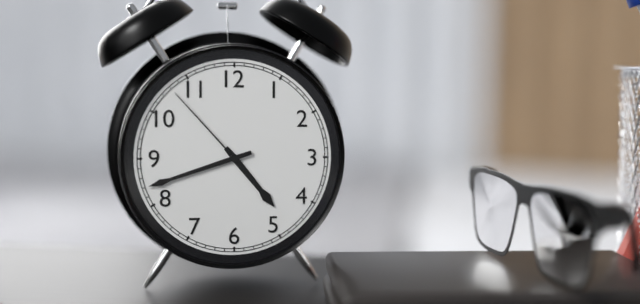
4,42,53
